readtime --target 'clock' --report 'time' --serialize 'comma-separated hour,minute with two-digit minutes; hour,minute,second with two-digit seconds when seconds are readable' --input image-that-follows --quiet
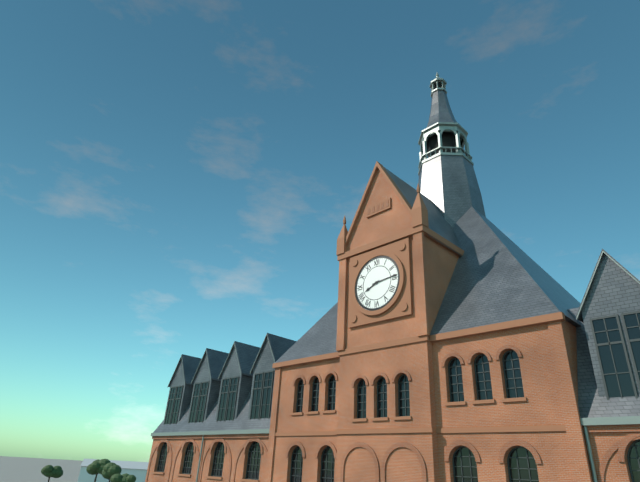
8,14
